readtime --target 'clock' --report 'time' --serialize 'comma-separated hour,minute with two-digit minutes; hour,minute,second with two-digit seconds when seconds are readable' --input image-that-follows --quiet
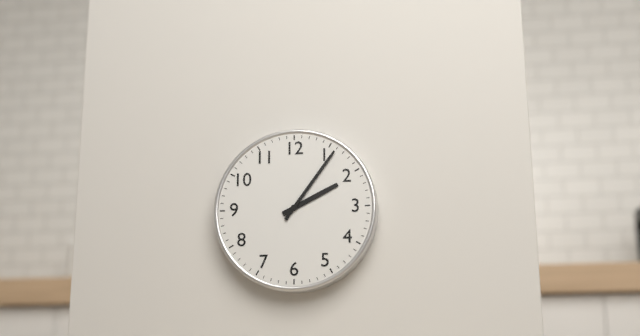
2,06
